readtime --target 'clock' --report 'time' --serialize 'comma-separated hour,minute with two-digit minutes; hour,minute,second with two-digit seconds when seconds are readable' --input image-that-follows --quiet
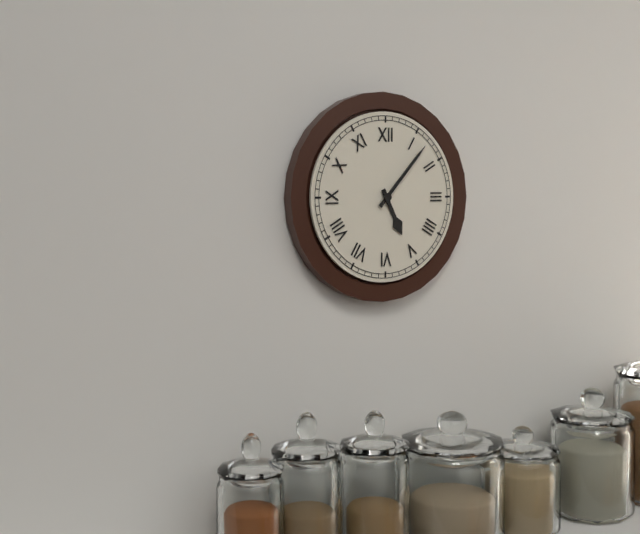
5,07
